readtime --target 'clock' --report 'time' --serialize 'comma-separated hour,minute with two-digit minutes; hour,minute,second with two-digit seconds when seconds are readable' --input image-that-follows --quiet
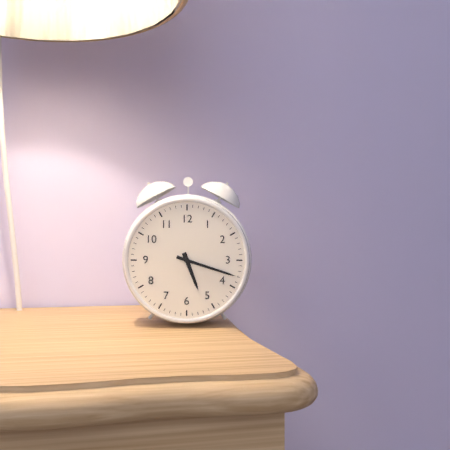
5,18
